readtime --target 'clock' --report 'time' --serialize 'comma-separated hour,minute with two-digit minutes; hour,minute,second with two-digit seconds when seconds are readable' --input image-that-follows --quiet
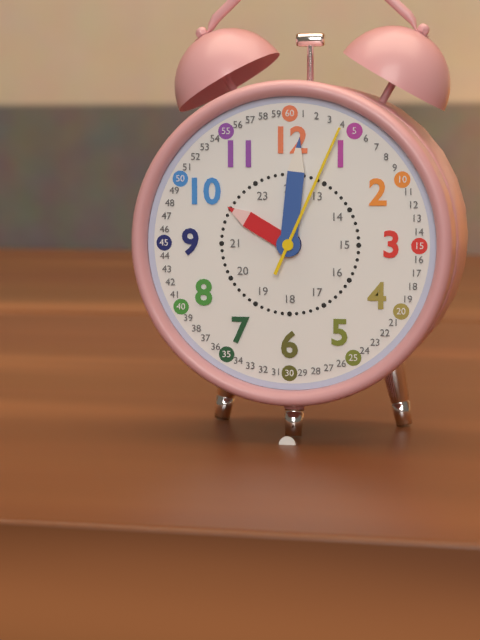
10,01,04
